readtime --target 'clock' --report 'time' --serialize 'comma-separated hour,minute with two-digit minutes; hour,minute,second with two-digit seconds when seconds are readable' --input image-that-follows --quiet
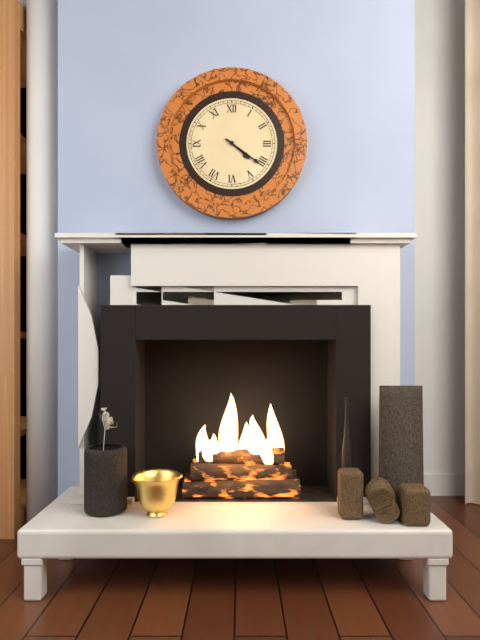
4,21
